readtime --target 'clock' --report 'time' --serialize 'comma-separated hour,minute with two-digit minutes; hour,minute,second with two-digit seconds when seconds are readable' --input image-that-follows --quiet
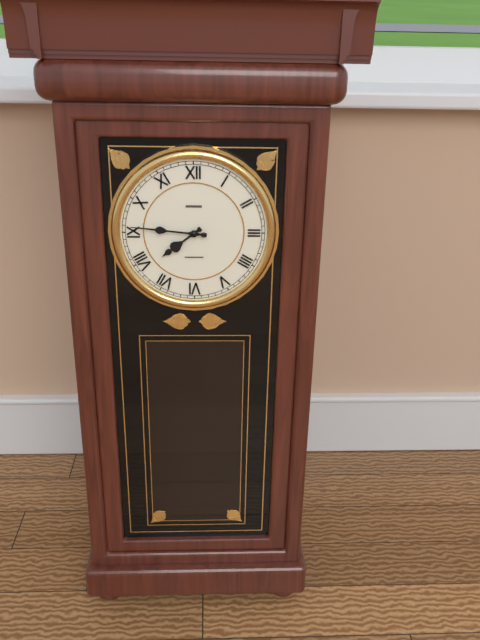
7,46
